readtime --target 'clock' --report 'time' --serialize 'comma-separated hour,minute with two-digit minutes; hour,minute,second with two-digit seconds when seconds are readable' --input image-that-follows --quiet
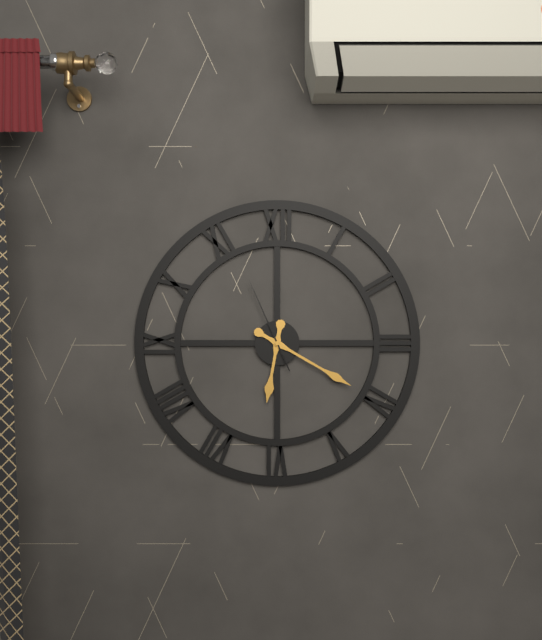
6,20,56
